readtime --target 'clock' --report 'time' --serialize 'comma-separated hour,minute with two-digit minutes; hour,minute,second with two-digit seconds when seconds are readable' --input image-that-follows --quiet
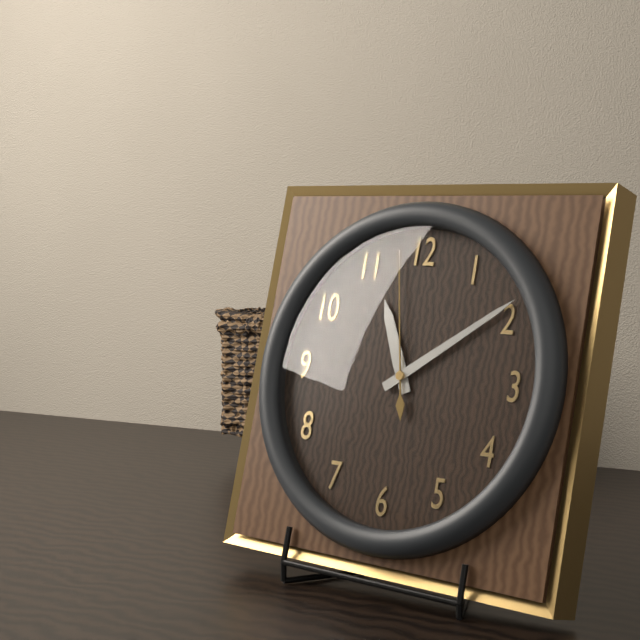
11,09,58
